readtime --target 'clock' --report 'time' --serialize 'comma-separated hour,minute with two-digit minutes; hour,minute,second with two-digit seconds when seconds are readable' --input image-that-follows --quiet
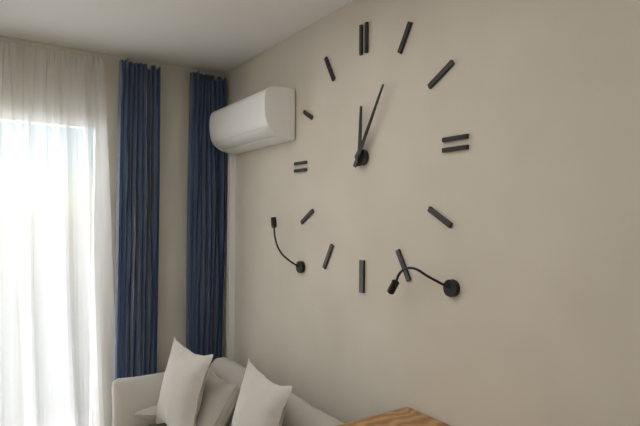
12,05
